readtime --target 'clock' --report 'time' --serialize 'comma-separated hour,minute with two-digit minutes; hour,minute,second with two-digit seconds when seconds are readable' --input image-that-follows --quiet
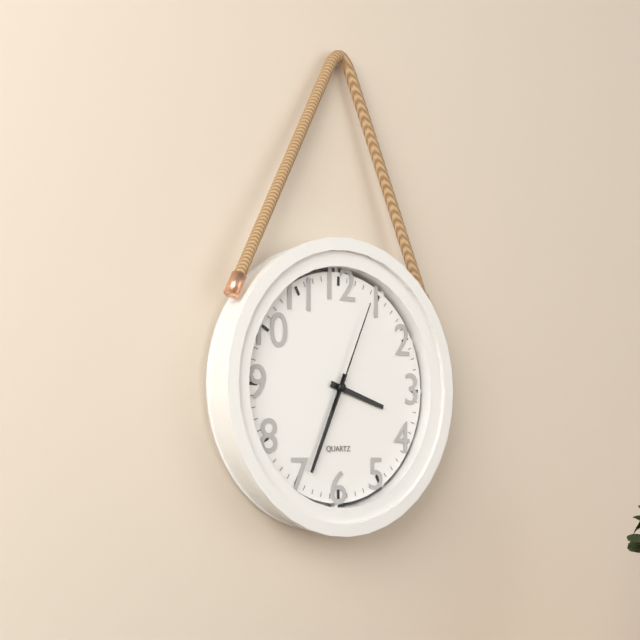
3,34,04
